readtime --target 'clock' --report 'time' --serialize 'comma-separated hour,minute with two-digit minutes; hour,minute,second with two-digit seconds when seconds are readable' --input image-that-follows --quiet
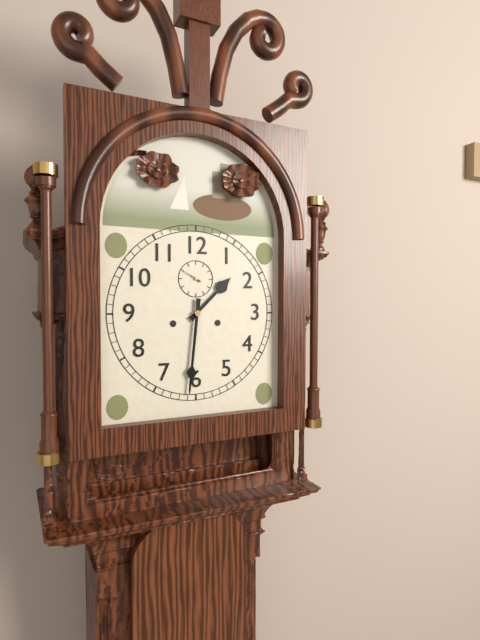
1,31
